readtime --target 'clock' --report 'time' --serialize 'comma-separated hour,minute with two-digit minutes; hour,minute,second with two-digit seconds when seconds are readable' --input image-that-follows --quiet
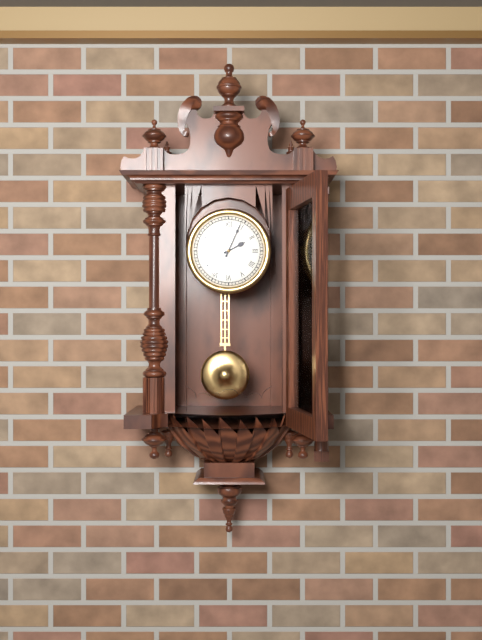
2,04
